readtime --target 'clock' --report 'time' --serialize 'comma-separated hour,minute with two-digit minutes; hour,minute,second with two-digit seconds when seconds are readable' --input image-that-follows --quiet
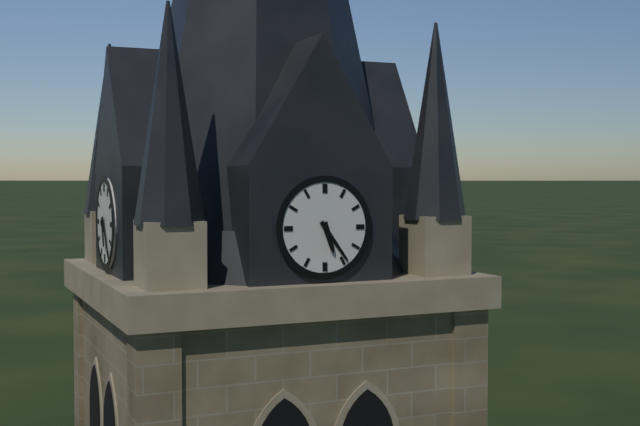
5,24
